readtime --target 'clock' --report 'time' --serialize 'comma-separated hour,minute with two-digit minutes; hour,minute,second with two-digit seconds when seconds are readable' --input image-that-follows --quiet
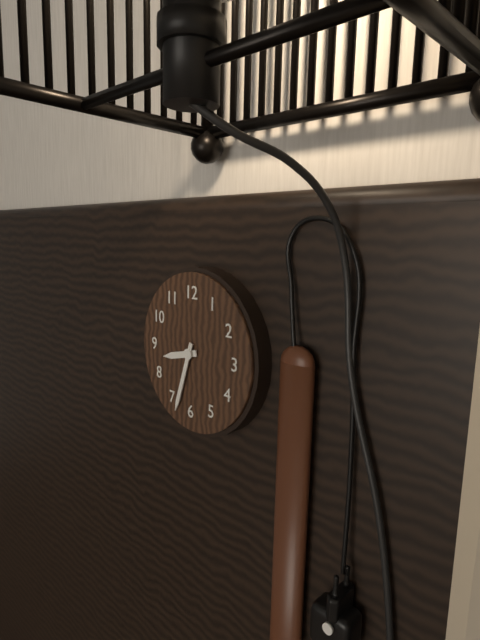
8,33
